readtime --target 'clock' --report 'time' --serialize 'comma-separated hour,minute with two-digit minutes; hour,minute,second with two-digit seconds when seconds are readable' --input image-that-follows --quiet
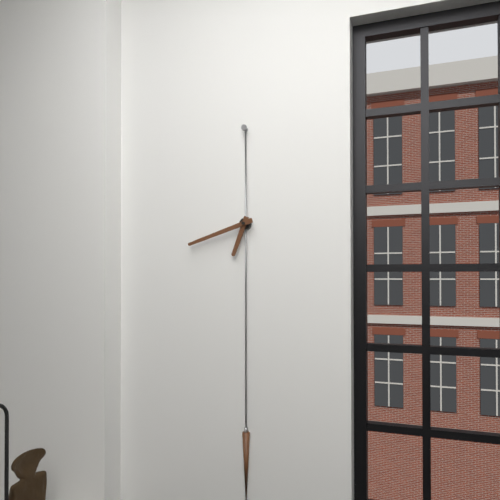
6,42
